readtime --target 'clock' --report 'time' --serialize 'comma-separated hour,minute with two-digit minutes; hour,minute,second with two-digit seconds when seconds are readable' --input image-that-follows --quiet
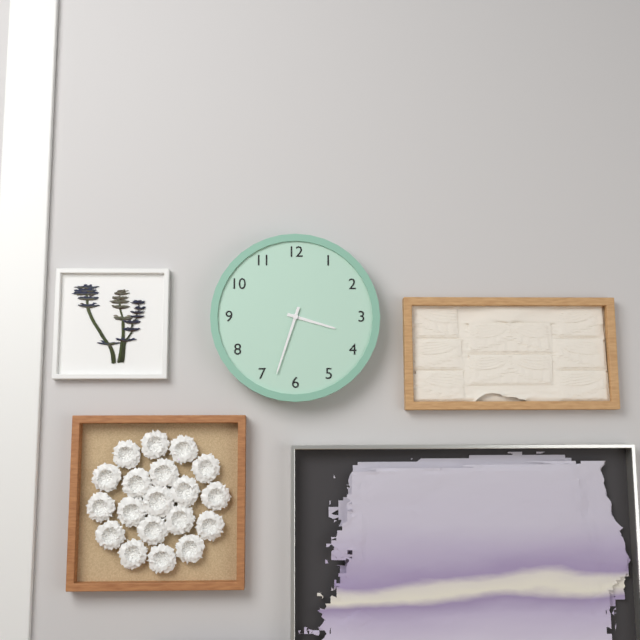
3,33
